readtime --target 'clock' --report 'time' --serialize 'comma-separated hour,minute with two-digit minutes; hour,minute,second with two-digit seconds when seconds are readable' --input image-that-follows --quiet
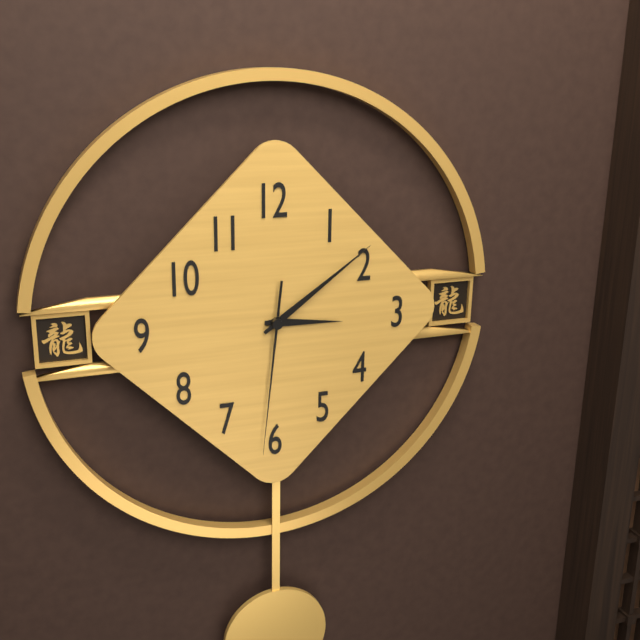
3,09,31
